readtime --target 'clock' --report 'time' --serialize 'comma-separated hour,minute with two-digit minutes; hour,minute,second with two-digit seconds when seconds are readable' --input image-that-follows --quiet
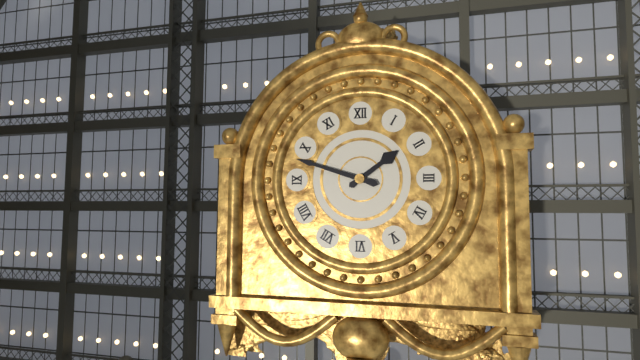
1,48
